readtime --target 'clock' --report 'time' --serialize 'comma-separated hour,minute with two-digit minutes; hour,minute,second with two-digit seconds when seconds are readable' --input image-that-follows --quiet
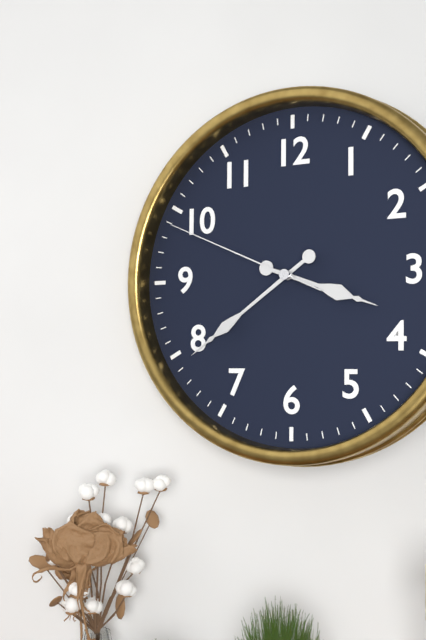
3,39,49
